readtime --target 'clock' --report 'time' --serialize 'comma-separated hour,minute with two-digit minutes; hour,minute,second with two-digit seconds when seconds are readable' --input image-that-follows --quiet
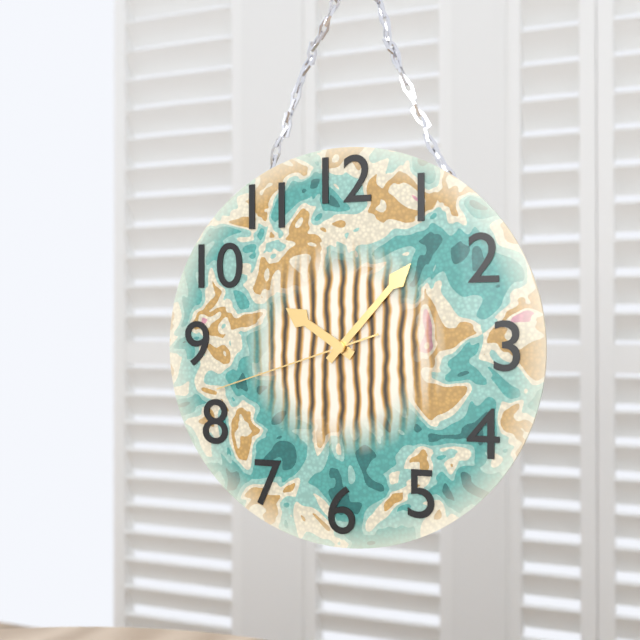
10,07,42
